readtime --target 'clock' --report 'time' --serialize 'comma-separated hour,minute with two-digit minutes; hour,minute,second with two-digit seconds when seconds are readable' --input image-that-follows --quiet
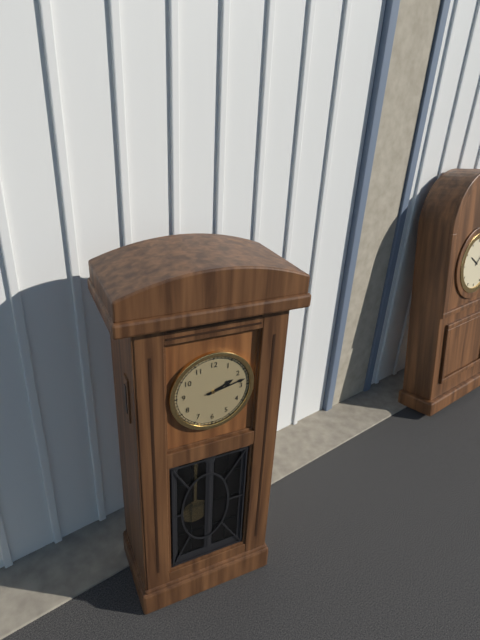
2,13
